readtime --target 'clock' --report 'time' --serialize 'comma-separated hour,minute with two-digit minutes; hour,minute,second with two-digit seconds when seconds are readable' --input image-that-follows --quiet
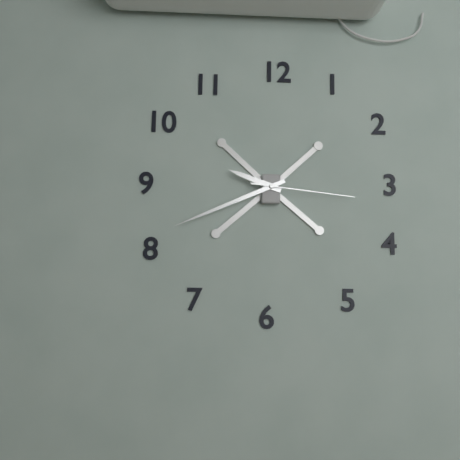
9,41,16
